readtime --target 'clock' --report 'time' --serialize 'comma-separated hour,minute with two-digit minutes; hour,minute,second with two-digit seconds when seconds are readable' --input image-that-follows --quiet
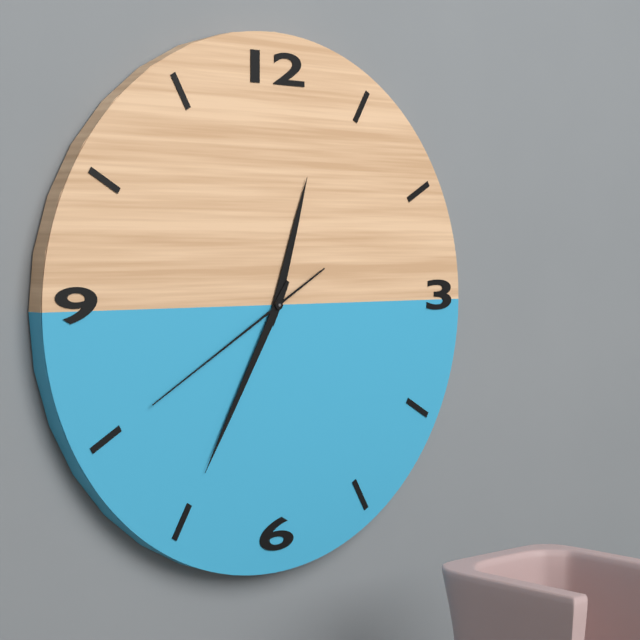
12,35,40
